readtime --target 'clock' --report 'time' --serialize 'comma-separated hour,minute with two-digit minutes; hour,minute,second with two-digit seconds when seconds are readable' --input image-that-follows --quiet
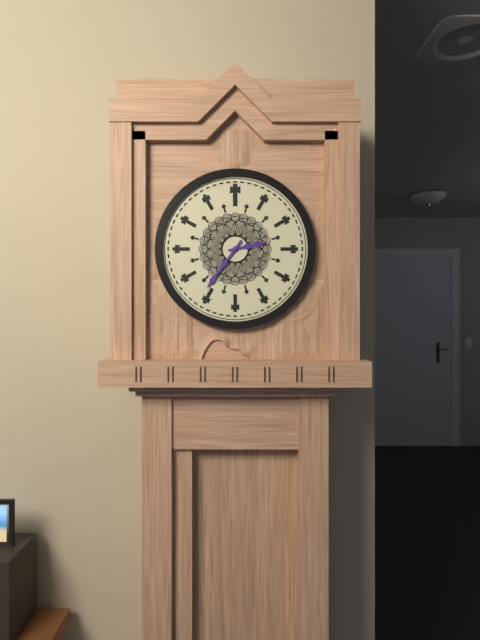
2,36
